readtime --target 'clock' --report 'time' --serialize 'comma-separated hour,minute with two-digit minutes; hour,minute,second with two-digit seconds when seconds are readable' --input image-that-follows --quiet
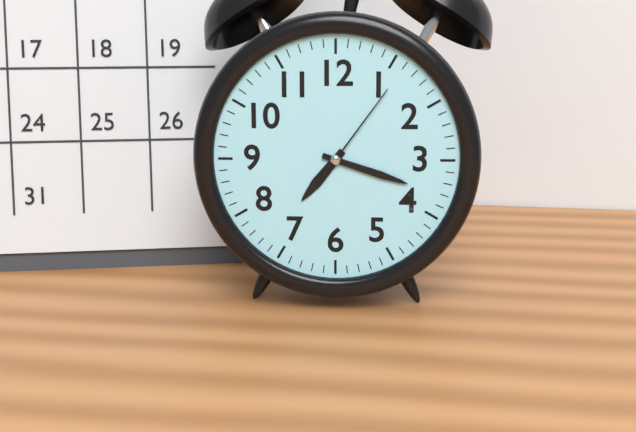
7,18,06
